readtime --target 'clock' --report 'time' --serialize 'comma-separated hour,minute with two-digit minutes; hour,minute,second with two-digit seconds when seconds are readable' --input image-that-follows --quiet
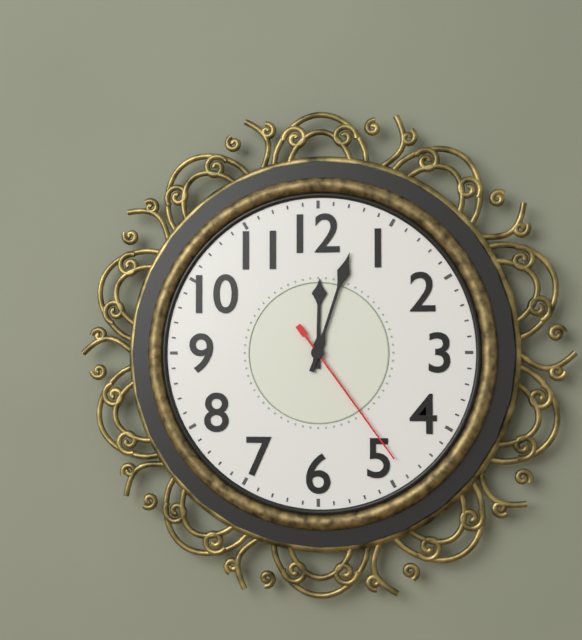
12,03,24
